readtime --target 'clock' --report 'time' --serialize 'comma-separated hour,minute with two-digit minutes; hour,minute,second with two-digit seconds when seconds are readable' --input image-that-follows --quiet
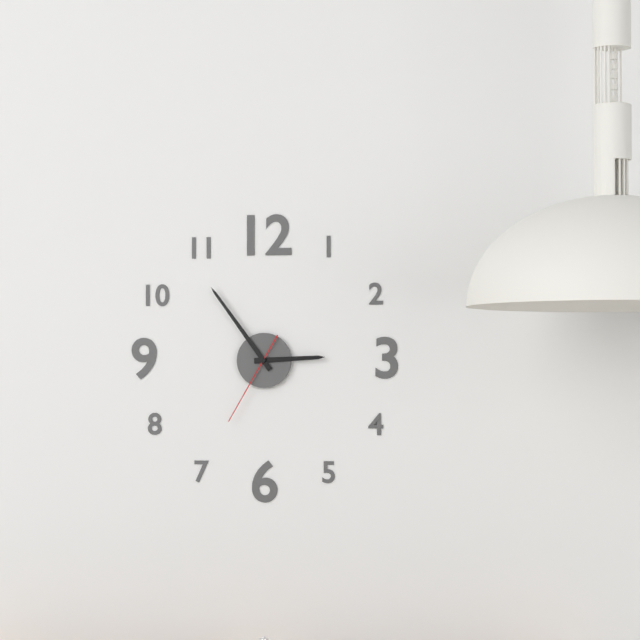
2,54,35
